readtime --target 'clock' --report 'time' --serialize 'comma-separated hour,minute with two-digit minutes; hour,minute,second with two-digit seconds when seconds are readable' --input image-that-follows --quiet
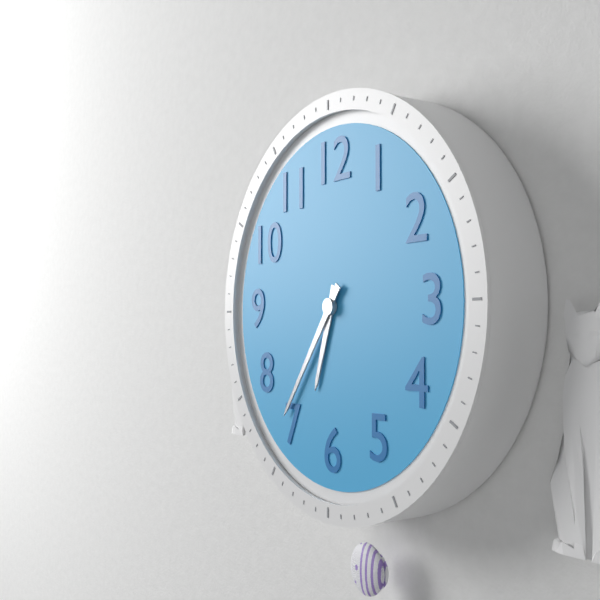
6,36
